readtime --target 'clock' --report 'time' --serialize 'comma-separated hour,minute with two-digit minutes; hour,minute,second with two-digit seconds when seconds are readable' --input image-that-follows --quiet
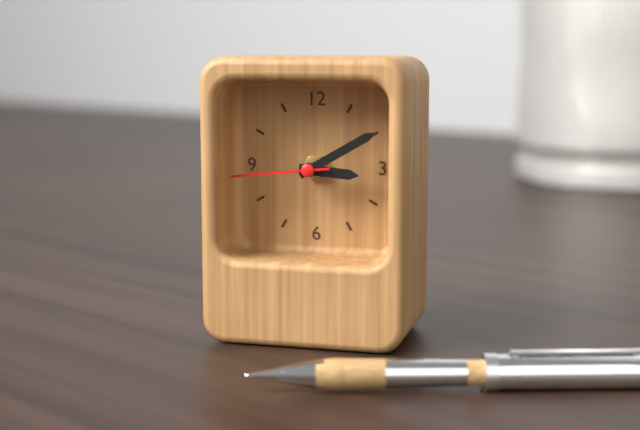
3,10,44
